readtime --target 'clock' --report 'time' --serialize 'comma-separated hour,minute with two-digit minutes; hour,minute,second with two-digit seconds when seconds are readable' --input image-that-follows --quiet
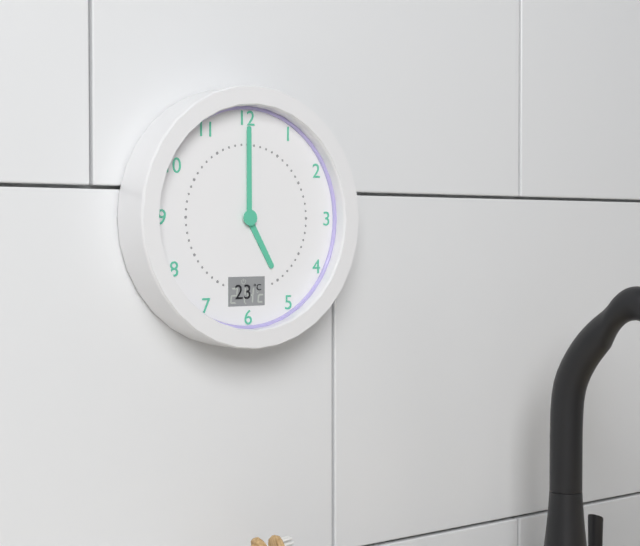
5,00
